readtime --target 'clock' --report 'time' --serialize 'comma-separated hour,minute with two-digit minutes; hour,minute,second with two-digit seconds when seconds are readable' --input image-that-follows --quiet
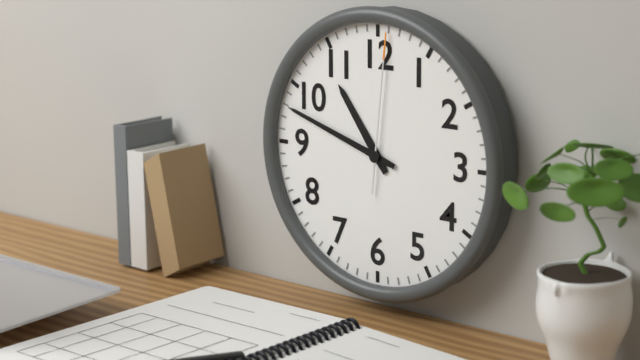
10,48,01
